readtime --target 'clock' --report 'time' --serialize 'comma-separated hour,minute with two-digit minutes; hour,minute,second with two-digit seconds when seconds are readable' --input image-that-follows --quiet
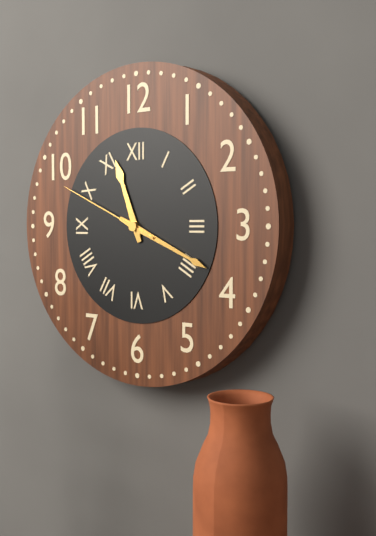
11,19,49
